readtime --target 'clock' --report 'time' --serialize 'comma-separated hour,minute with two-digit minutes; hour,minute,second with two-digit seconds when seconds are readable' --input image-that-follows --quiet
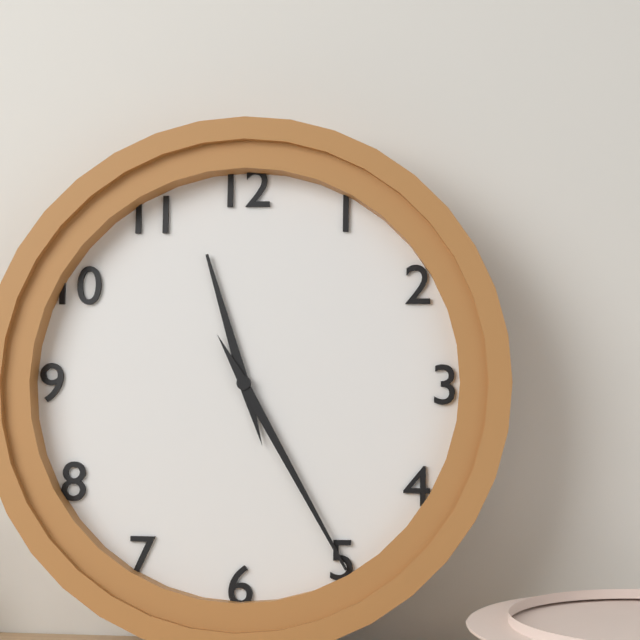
11,25
